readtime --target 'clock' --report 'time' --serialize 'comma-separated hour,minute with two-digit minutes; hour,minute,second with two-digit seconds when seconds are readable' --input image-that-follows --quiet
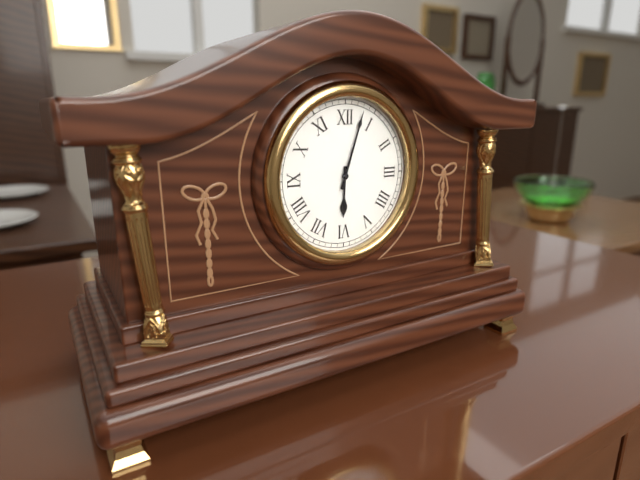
6,03
